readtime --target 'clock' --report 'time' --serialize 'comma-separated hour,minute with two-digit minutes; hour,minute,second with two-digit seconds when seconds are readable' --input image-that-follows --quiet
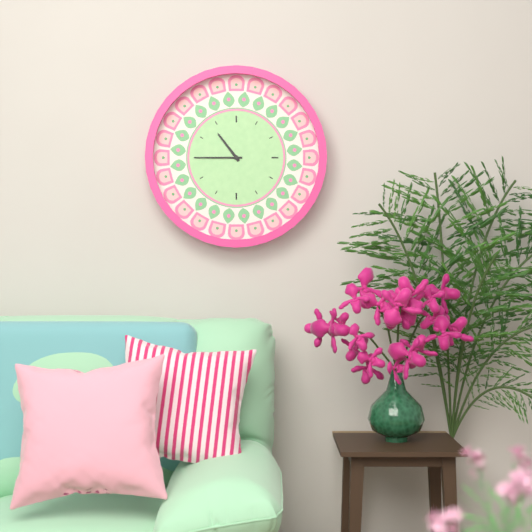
10,45
